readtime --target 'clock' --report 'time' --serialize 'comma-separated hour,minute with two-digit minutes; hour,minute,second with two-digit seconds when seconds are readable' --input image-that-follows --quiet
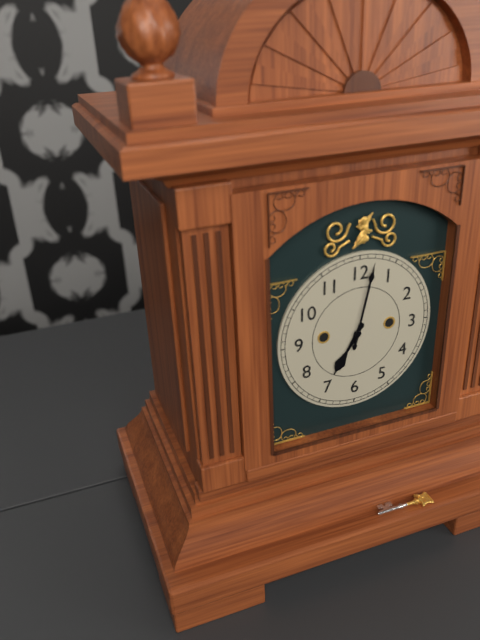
7,02
